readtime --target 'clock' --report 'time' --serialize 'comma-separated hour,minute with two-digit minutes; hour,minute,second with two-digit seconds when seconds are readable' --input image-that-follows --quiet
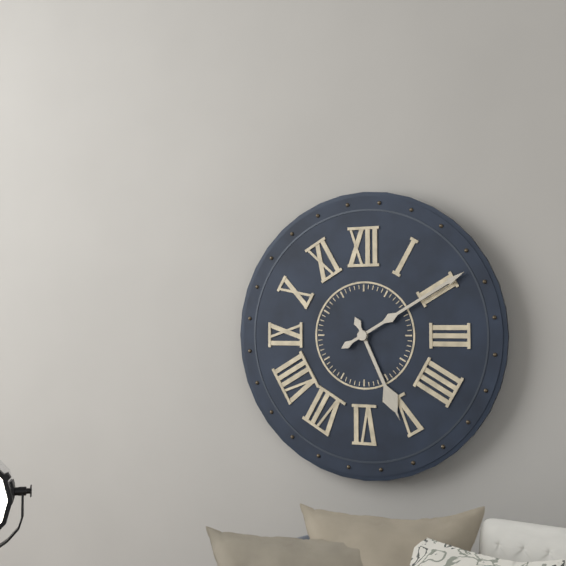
5,10
